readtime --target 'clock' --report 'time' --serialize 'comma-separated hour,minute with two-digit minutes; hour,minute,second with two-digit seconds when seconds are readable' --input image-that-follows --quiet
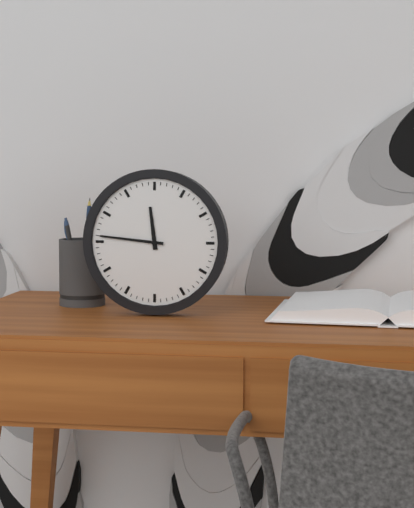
11,46
